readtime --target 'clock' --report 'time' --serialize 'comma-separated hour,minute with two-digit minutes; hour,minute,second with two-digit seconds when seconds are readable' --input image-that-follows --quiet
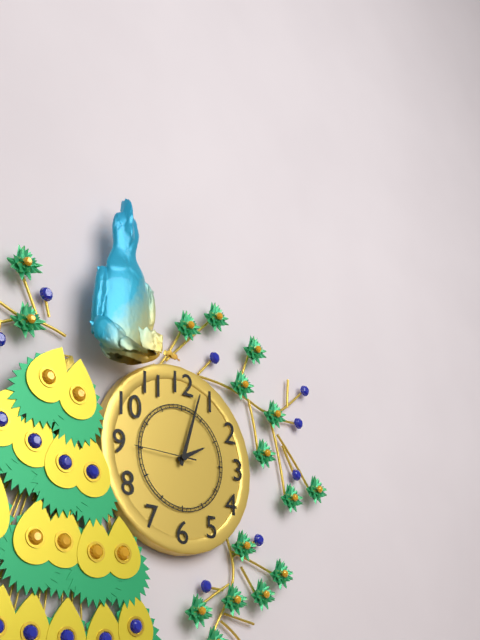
2,03
